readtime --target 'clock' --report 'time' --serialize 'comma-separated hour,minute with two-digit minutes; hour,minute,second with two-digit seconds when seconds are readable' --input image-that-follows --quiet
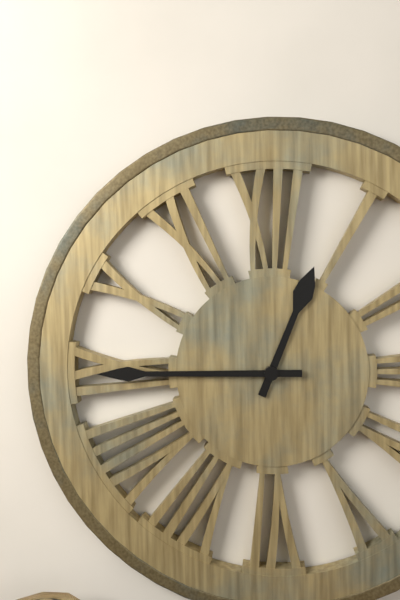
12,45
